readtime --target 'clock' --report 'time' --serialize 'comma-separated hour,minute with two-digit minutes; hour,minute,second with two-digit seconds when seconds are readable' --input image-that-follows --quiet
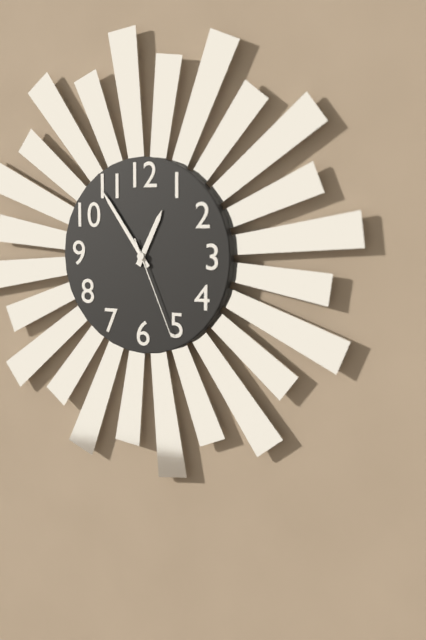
12,54,26
